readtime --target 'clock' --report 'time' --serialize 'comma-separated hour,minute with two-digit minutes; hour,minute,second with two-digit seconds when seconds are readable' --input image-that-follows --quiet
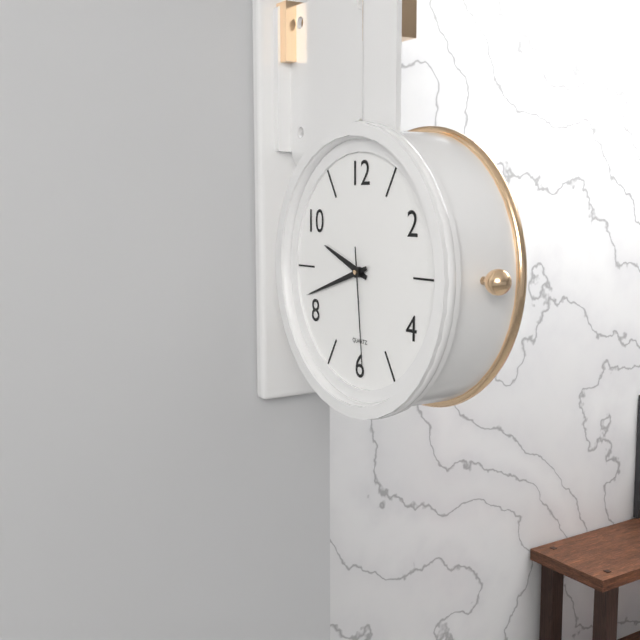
9,42,29
